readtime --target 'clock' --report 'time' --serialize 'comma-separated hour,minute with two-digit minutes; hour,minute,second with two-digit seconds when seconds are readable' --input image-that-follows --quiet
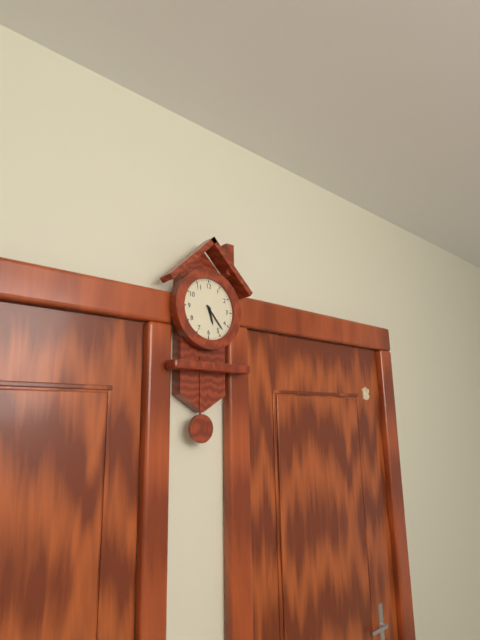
5,23
